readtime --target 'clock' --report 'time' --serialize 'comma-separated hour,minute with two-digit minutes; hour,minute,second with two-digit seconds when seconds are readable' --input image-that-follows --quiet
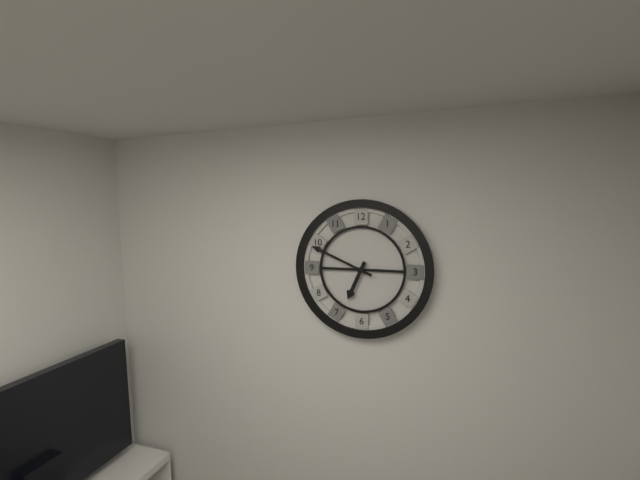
6,49
